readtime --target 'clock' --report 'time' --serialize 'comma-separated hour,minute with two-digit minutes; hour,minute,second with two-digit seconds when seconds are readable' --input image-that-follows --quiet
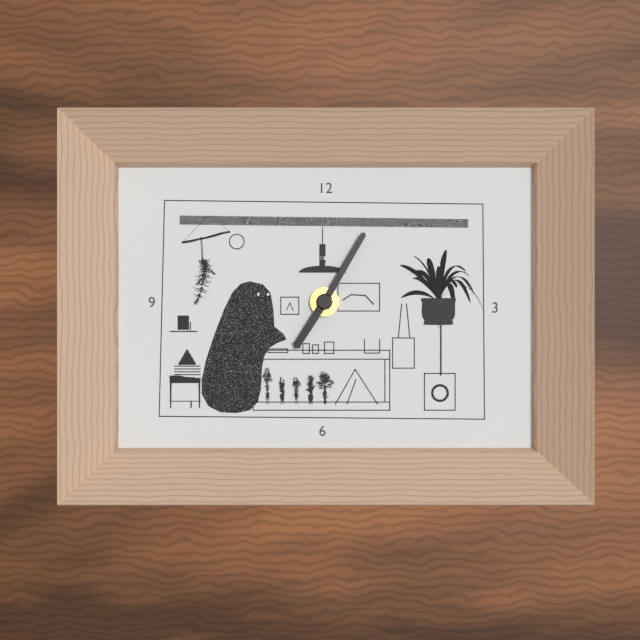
7,05
